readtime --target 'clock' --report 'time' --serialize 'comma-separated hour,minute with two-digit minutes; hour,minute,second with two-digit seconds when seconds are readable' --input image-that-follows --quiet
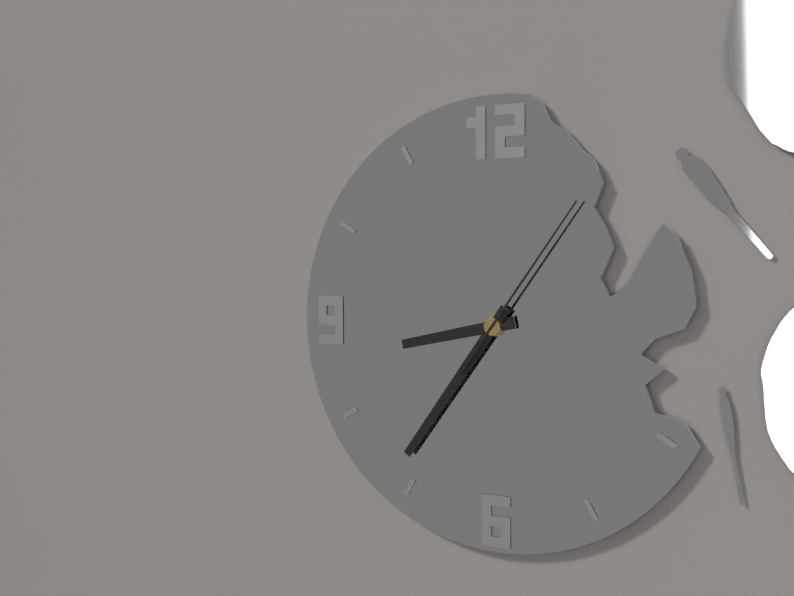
8,36,06
